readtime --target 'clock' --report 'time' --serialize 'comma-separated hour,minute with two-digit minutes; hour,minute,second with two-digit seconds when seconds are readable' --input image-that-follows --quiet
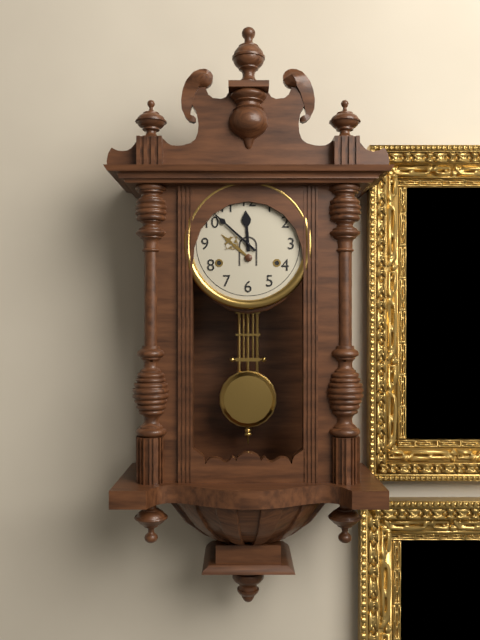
11,52
